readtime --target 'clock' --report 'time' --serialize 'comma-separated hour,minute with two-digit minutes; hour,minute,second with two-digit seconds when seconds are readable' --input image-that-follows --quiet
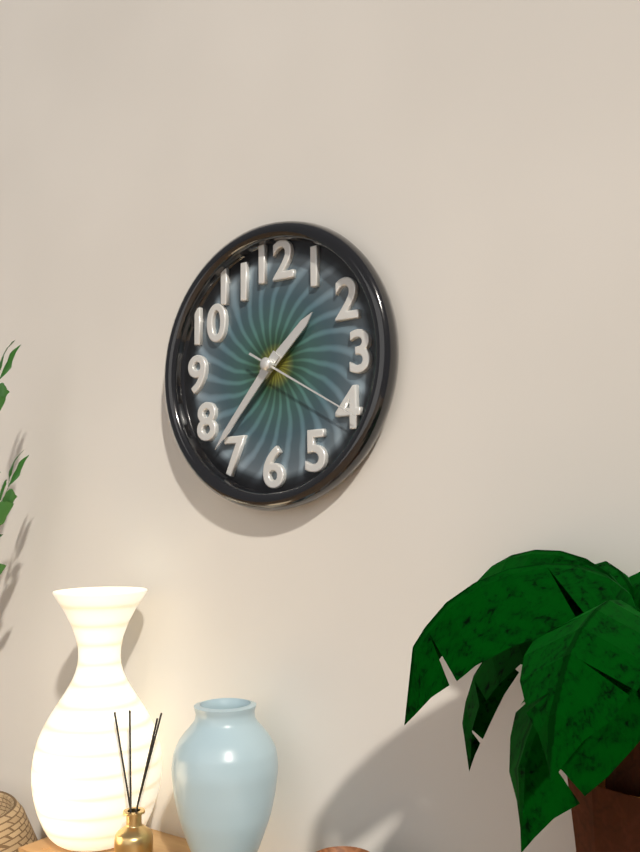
1,37,20
